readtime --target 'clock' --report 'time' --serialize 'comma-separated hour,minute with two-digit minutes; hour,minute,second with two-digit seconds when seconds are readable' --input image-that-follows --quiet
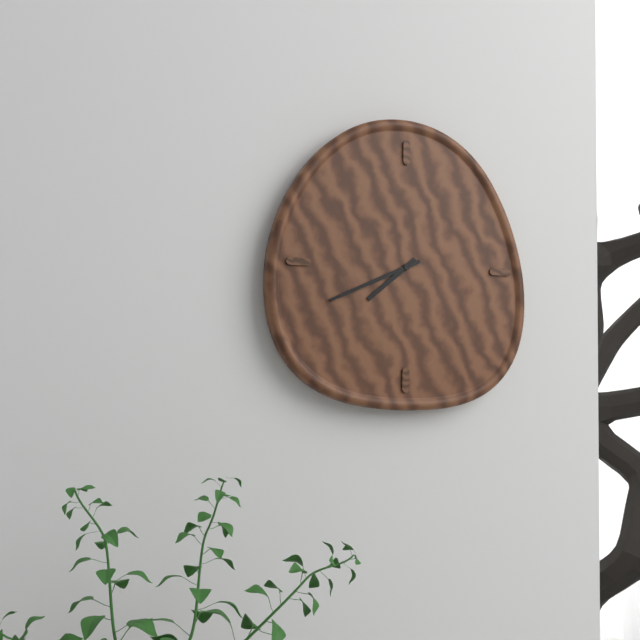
7,41
